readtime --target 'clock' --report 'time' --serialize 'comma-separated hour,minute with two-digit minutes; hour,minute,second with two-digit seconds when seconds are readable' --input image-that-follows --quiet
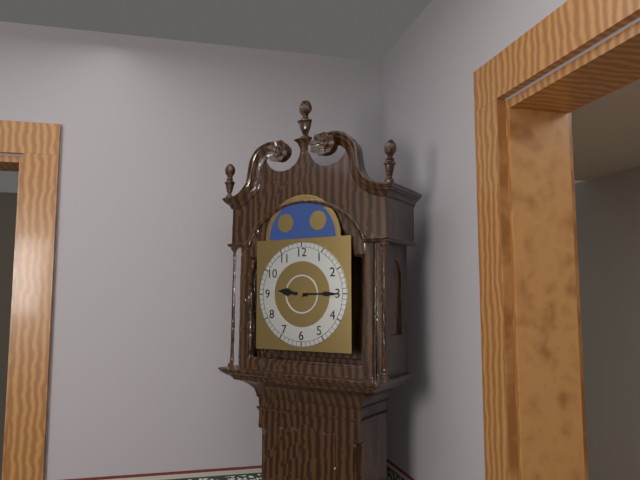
9,15
